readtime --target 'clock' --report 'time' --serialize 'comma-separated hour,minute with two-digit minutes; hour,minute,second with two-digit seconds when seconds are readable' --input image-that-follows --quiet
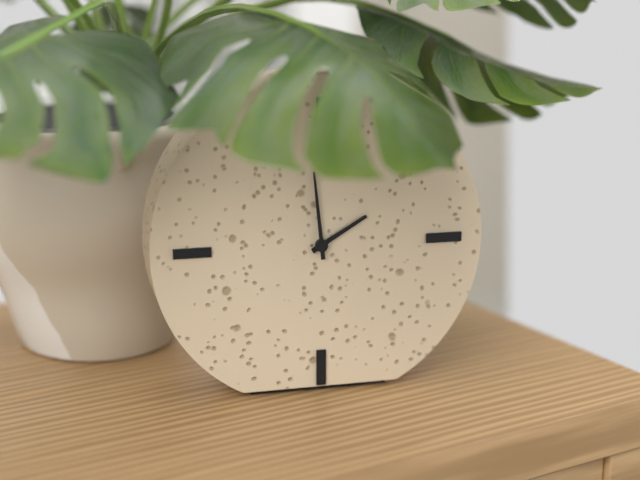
1,59
